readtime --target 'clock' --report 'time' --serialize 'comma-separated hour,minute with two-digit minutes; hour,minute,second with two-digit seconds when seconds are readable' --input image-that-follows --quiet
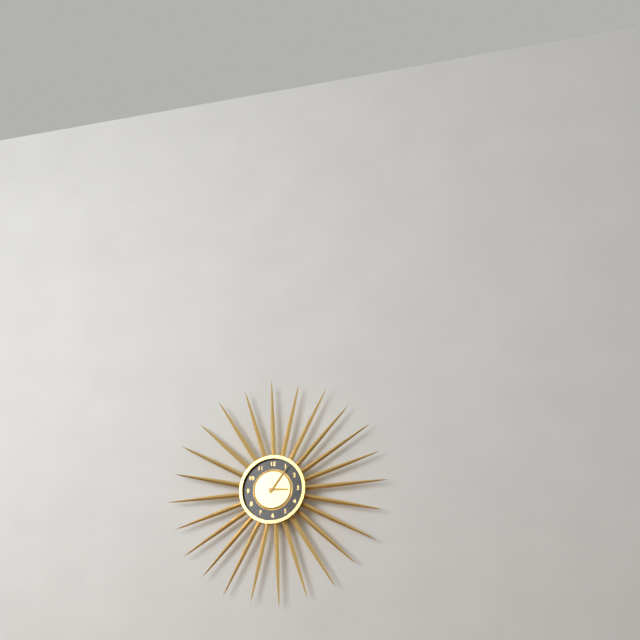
3,06
